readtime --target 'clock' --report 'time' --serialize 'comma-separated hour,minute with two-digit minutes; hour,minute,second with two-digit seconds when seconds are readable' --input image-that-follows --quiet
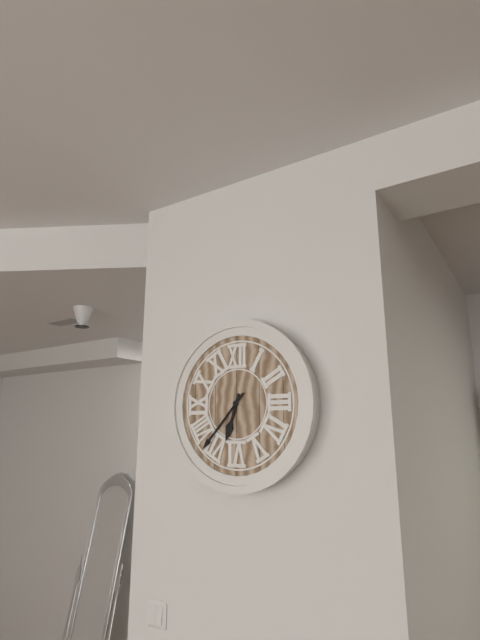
6,37
